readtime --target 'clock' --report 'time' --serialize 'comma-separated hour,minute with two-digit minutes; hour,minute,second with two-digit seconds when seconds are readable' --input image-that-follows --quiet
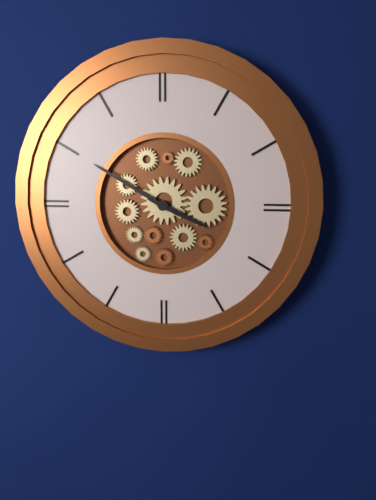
3,50
